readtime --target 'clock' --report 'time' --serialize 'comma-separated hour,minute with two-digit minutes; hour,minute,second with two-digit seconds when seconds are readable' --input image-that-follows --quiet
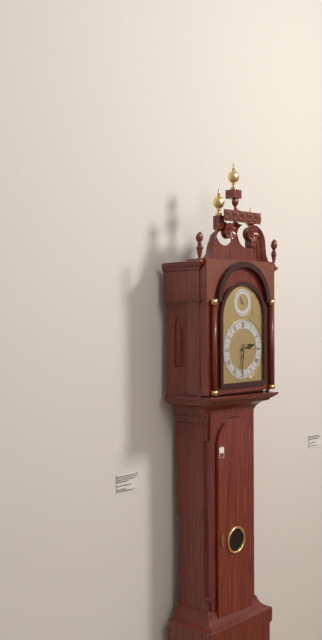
2,31
